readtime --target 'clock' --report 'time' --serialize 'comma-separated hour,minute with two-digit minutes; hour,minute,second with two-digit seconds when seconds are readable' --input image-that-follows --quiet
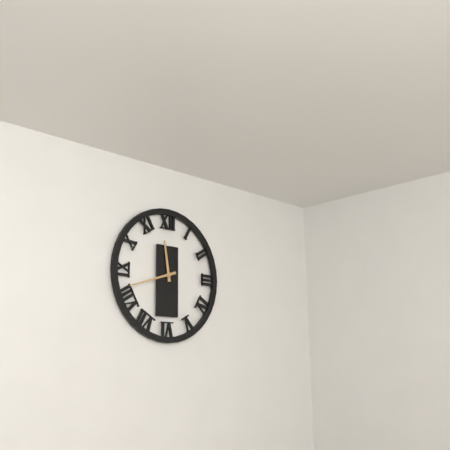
11,42
